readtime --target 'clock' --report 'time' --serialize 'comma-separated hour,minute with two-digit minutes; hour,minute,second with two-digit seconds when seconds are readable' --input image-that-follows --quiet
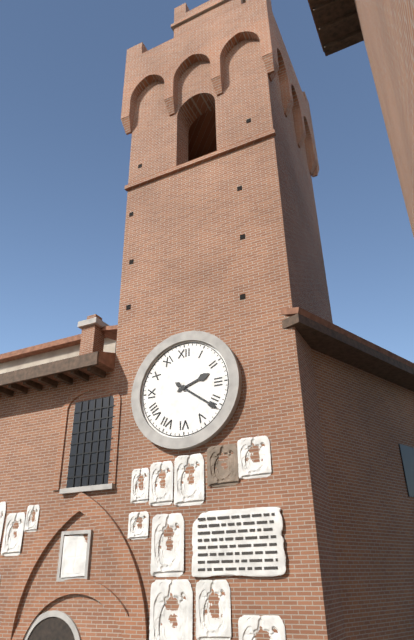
2,21
